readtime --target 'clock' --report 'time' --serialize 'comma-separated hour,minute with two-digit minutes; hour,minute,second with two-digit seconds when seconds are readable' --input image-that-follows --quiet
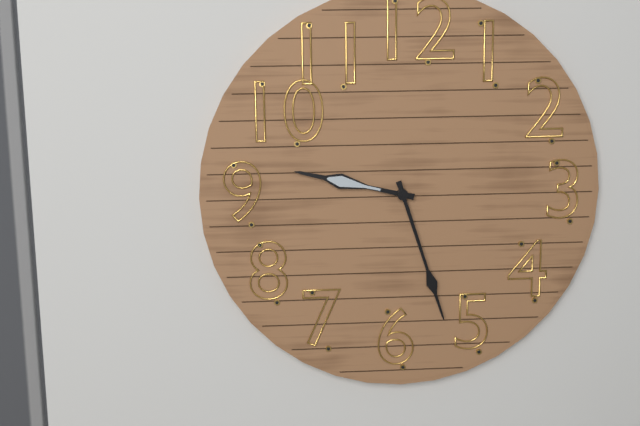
9,27
